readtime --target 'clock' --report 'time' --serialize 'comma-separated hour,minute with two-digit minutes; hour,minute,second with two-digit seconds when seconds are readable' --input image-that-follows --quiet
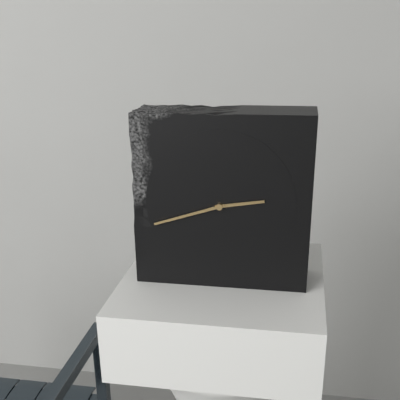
2,42
